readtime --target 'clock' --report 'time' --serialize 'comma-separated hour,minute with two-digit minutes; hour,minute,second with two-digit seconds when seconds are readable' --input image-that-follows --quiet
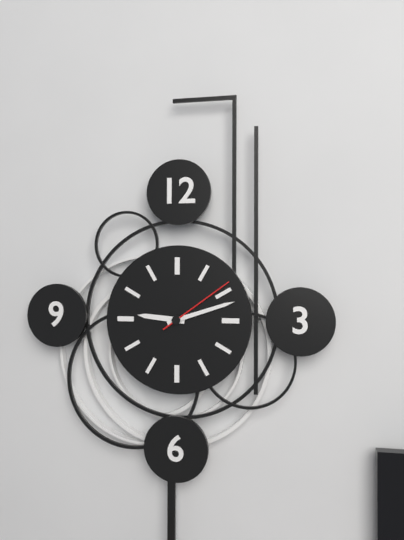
9,12,09
